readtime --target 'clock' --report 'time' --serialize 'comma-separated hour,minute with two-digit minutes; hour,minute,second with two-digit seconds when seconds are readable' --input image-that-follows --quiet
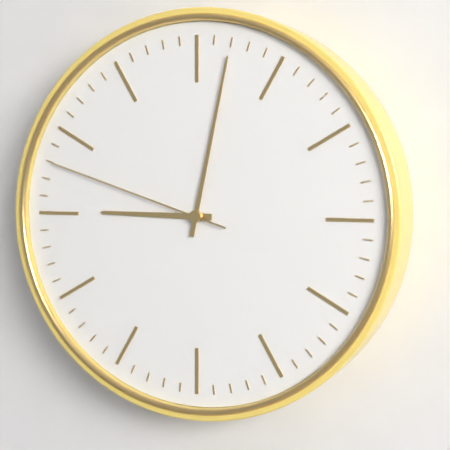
9,02,48
